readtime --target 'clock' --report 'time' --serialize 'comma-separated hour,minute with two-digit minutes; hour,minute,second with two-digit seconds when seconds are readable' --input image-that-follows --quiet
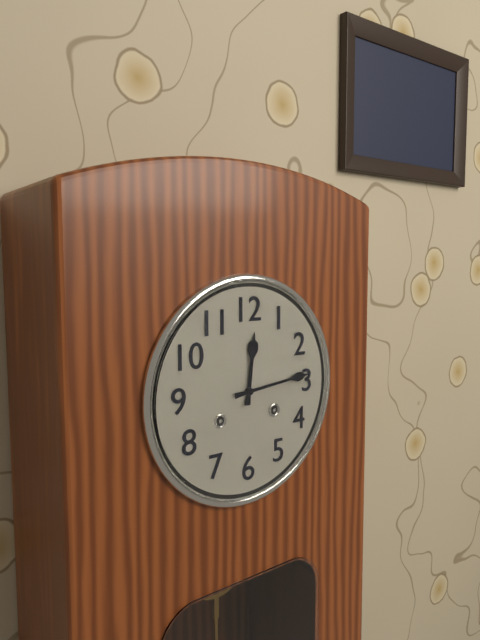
12,14
